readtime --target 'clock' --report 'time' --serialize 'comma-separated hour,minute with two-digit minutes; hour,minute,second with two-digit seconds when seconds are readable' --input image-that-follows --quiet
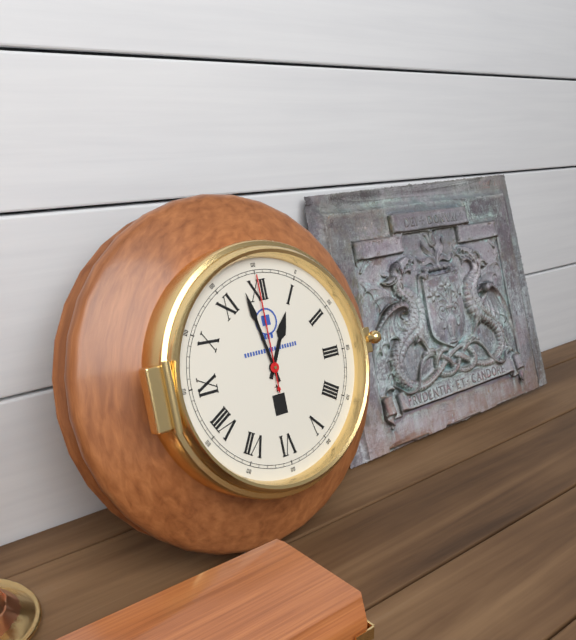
12,58,00
